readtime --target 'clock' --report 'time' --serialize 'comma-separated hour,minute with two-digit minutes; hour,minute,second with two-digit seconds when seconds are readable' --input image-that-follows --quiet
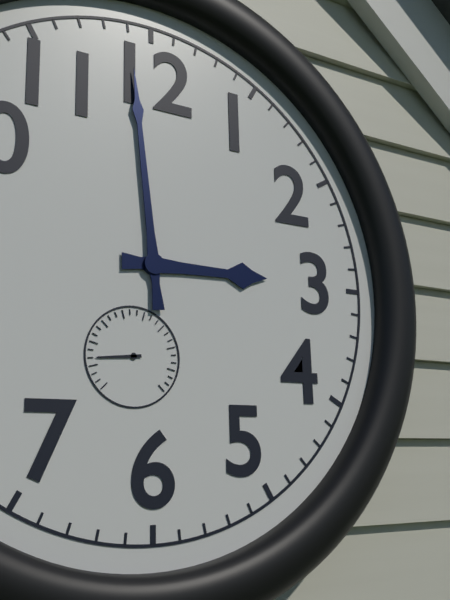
2,59
